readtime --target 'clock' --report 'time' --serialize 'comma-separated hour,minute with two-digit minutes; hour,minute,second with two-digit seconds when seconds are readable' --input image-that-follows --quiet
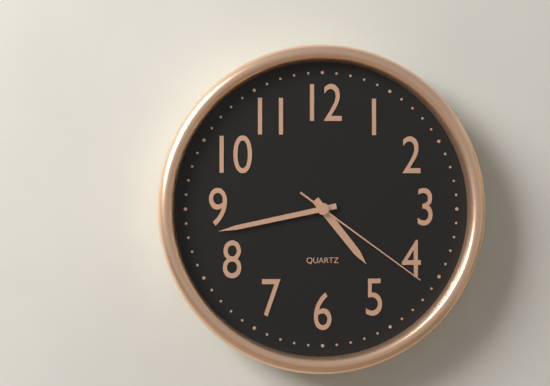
4,43,21
